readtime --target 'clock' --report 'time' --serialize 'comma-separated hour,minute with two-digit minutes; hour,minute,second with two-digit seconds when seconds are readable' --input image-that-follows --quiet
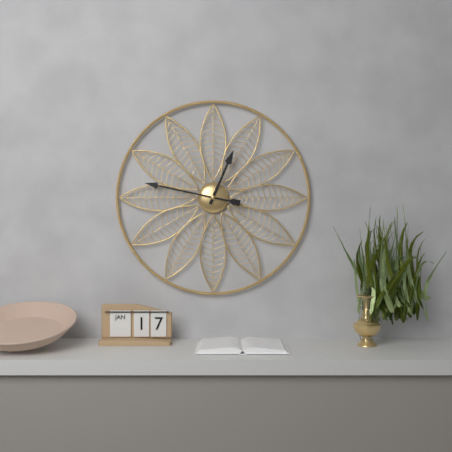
12,47
